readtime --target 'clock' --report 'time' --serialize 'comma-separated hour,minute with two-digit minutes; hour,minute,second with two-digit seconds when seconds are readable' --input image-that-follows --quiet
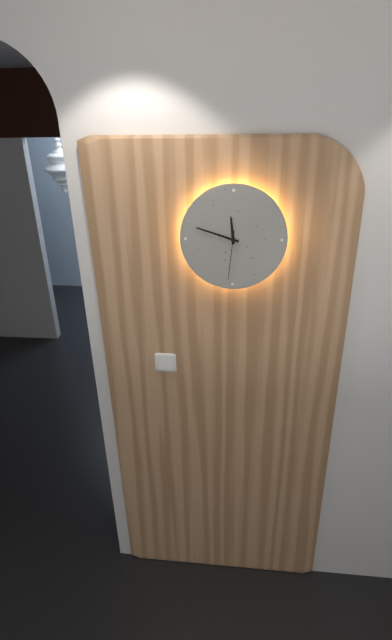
11,48,31
